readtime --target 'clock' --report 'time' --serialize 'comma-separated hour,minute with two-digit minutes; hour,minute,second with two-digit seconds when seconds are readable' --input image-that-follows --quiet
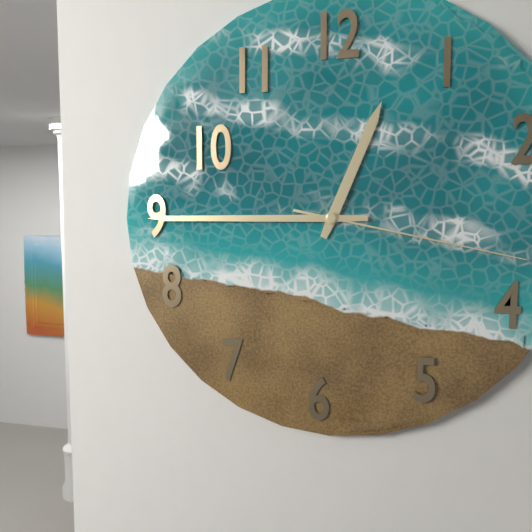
12,45,17
